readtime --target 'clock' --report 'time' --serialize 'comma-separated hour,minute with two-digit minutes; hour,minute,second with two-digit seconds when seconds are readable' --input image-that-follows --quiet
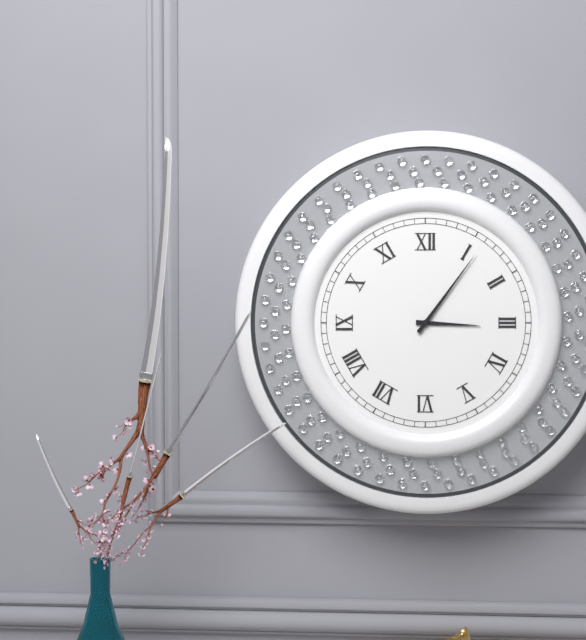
3,06
